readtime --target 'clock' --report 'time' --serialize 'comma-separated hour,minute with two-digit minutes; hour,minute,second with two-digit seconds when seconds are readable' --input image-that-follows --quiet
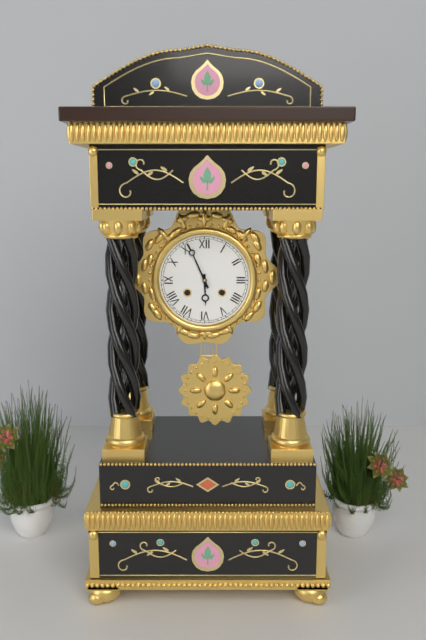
5,56
